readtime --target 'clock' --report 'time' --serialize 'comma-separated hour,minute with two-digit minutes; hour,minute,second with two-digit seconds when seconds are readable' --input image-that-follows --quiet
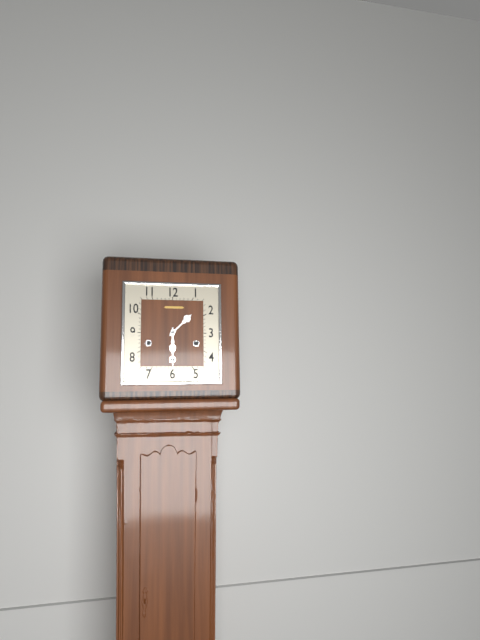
1,30
